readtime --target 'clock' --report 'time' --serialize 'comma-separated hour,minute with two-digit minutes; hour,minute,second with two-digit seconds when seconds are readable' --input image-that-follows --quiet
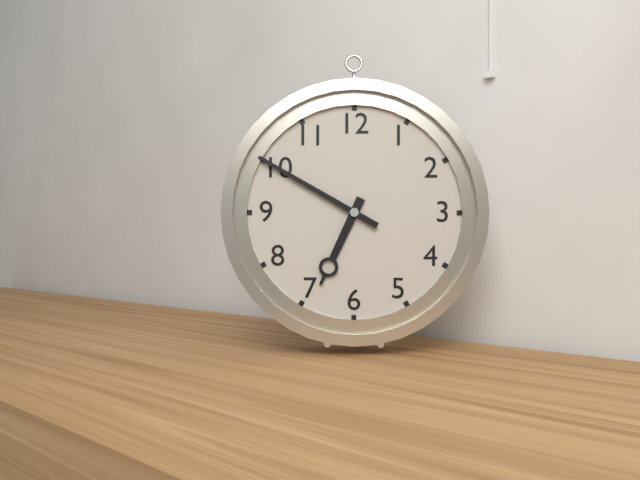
6,50
